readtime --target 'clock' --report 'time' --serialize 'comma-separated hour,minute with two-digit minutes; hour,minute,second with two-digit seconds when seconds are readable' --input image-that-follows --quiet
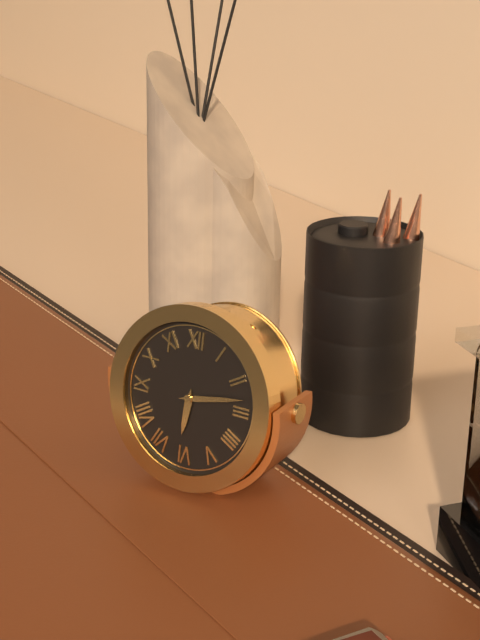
6,13
